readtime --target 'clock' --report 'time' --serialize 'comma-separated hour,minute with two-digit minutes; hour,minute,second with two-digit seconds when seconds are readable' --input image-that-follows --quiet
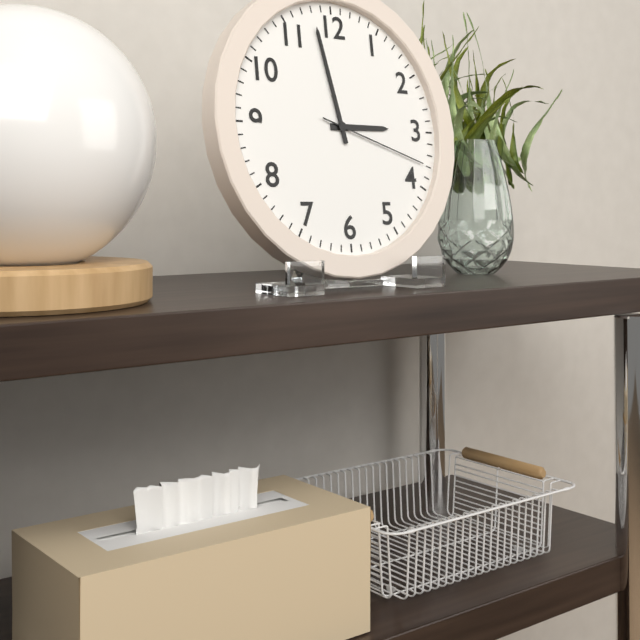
2,58,18
